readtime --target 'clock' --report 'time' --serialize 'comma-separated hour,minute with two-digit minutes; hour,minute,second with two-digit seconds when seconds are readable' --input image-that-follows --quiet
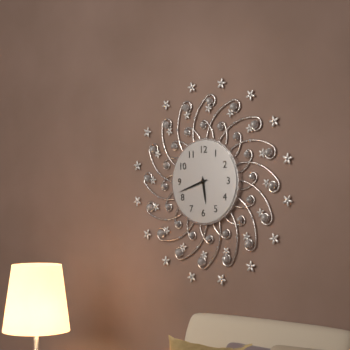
5,42
